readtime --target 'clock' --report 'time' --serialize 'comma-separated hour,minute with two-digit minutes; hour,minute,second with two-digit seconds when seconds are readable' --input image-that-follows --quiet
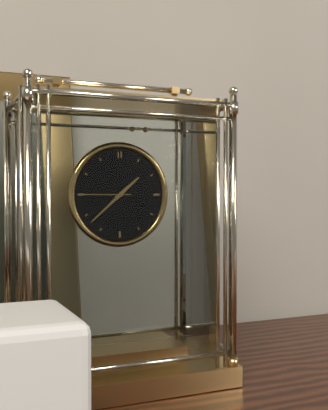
1,38,45
